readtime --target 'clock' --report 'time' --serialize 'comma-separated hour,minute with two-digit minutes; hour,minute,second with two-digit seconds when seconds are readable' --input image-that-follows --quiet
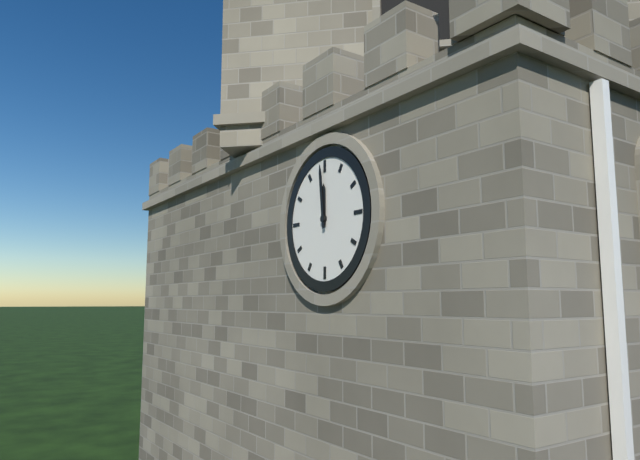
11,59
